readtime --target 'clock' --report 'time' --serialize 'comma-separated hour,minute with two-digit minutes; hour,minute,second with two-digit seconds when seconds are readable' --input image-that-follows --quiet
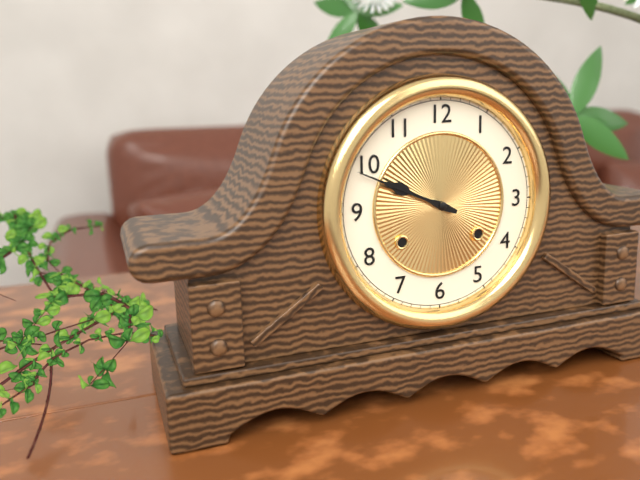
9,49
